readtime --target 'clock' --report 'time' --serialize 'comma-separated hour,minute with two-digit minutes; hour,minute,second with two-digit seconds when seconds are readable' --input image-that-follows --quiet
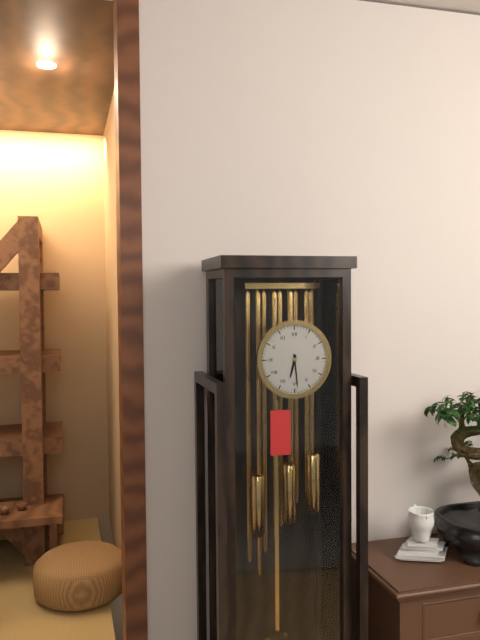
6,29
